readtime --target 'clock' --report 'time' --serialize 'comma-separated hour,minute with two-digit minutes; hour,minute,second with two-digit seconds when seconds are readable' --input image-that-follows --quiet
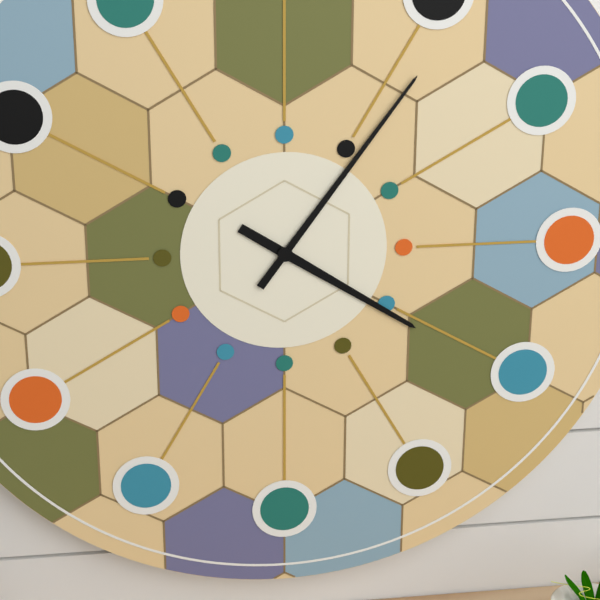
4,06
